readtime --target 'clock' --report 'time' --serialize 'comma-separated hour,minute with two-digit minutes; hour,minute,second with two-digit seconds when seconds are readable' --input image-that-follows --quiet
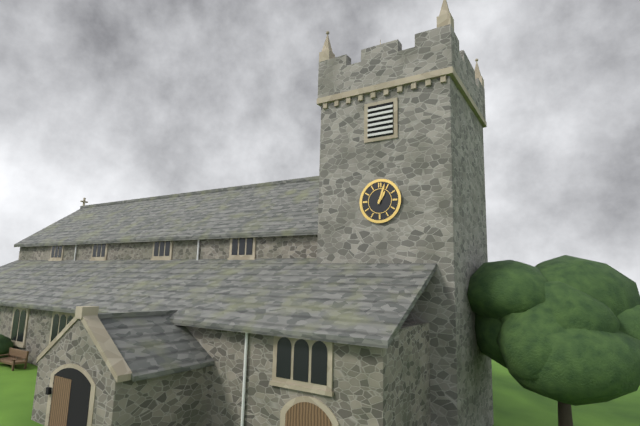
1,03
